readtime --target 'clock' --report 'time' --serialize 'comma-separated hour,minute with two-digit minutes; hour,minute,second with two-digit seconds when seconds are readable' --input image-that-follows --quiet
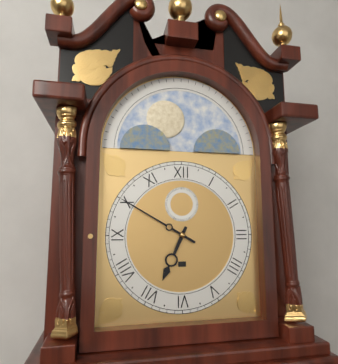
6,50
